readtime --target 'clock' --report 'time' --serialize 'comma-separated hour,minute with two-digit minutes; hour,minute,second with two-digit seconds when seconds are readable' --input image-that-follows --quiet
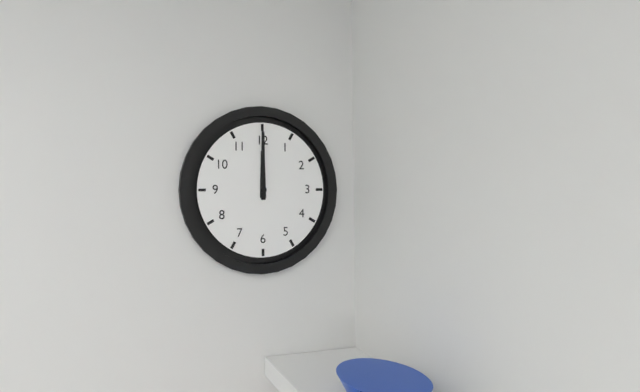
12,00
